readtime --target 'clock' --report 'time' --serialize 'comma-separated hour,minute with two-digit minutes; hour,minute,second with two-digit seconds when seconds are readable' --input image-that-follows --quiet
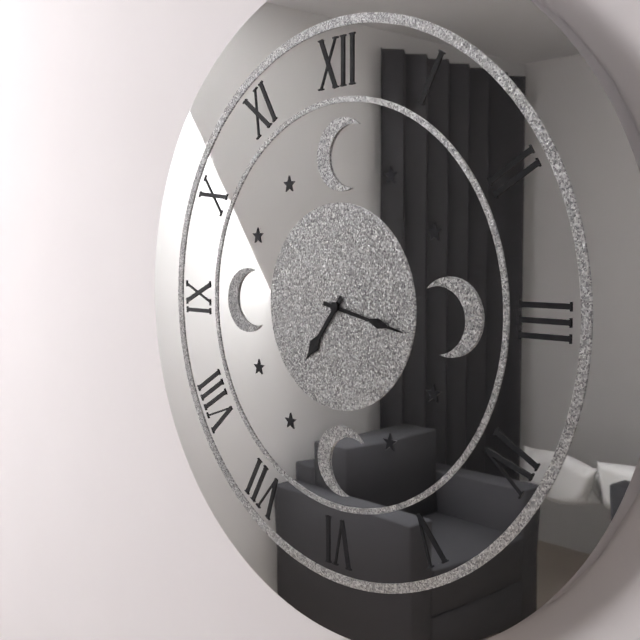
7,17
